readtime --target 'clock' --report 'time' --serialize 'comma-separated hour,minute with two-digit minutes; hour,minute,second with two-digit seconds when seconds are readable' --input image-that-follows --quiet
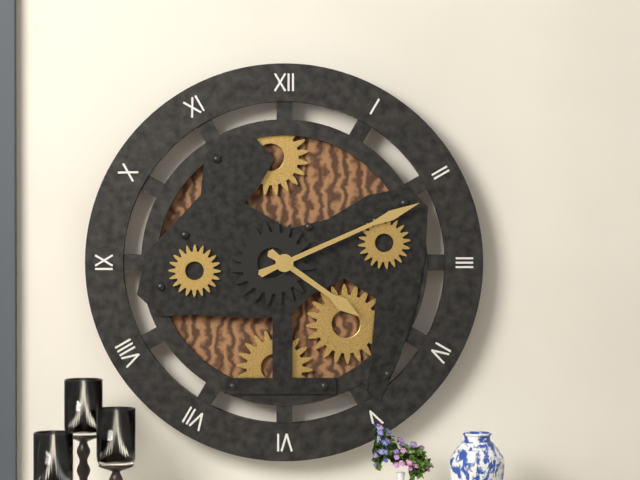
4,11
